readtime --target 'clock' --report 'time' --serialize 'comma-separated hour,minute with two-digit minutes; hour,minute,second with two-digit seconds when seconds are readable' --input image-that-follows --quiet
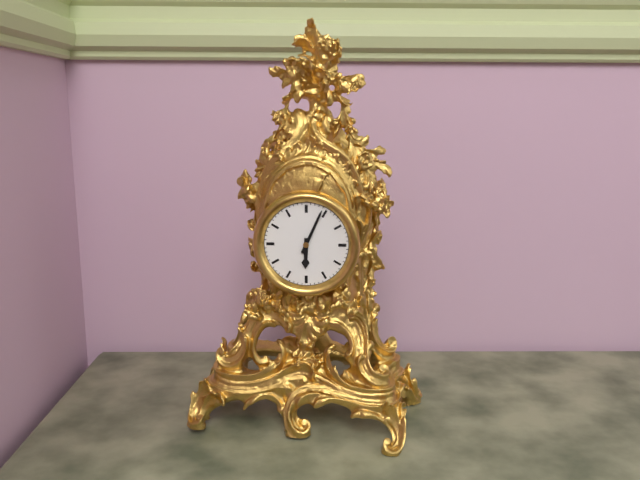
6,04
